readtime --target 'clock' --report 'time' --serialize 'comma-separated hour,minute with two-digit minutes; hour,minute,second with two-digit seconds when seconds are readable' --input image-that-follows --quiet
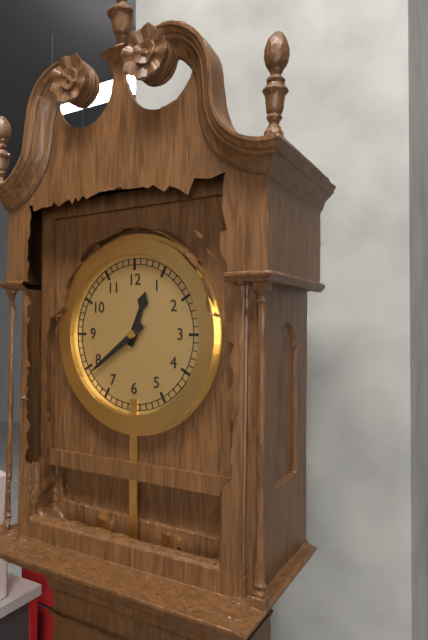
12,39
